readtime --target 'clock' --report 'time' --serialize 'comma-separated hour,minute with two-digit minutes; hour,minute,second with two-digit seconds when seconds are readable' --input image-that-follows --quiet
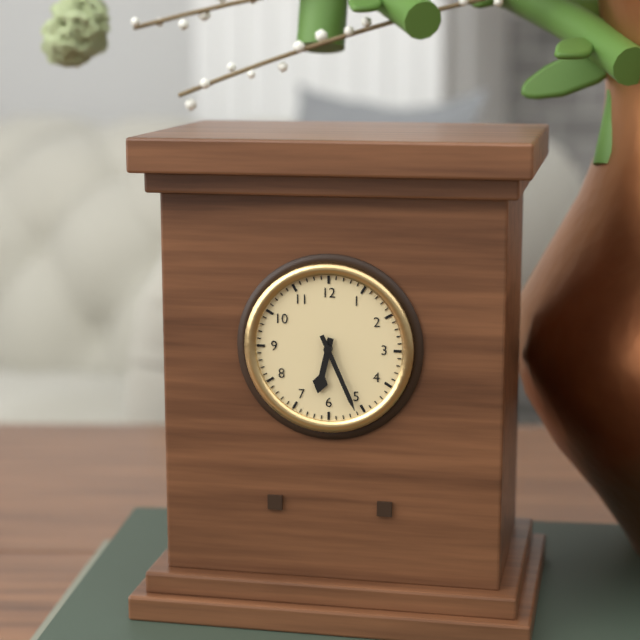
6,26
